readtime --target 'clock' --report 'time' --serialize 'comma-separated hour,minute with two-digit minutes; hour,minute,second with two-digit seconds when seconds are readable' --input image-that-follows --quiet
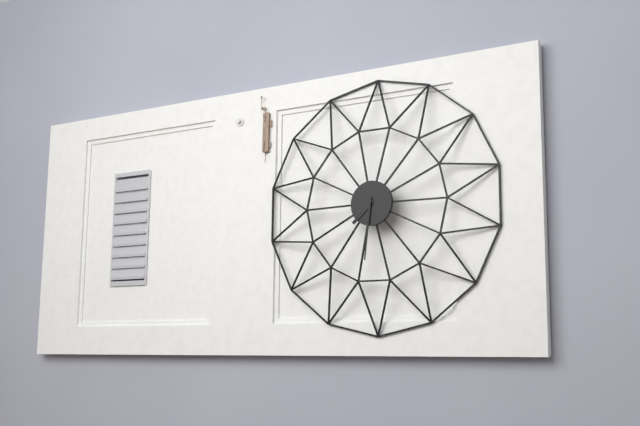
7,31
